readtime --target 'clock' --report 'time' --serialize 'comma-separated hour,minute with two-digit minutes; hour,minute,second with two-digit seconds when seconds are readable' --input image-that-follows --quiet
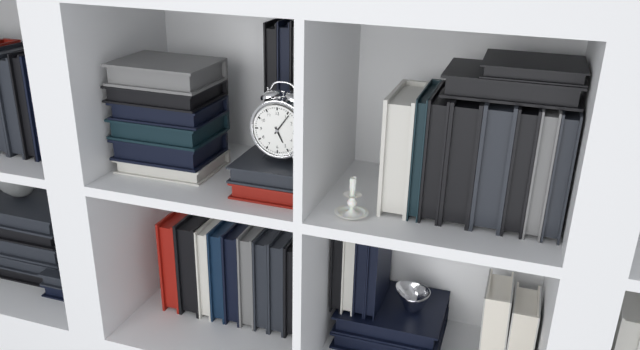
5,06
